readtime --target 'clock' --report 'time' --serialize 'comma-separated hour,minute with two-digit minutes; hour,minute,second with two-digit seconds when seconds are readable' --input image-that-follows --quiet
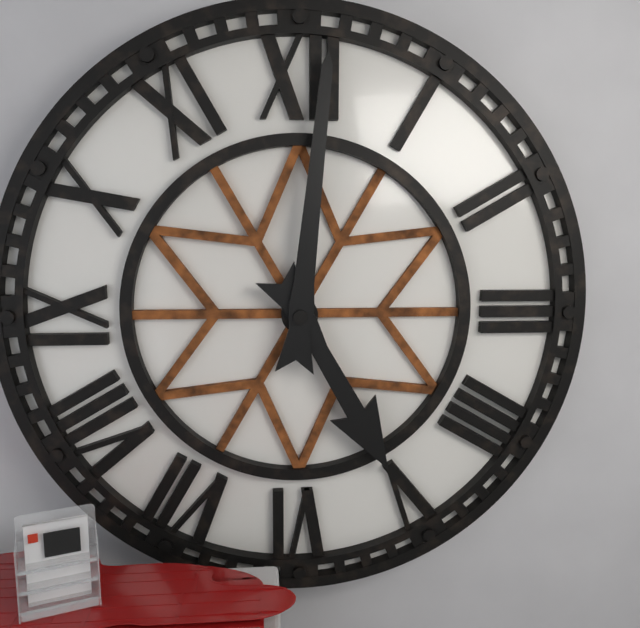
5,01
